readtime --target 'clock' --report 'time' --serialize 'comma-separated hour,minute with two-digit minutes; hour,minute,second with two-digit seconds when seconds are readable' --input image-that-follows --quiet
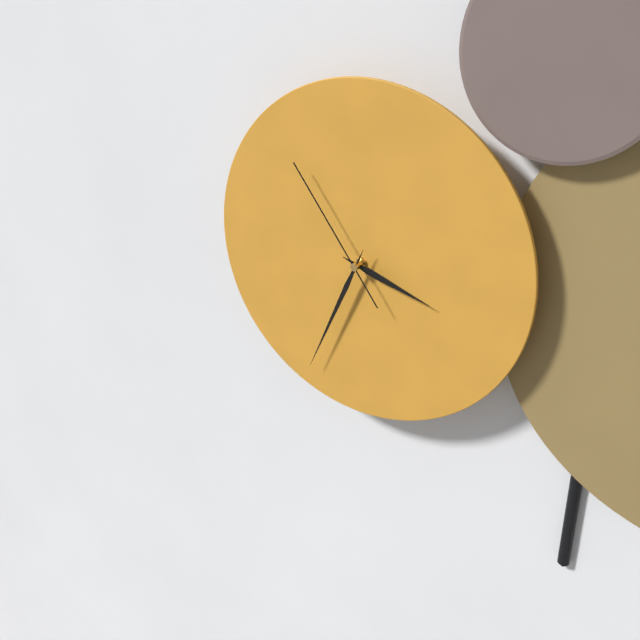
3,34,54
